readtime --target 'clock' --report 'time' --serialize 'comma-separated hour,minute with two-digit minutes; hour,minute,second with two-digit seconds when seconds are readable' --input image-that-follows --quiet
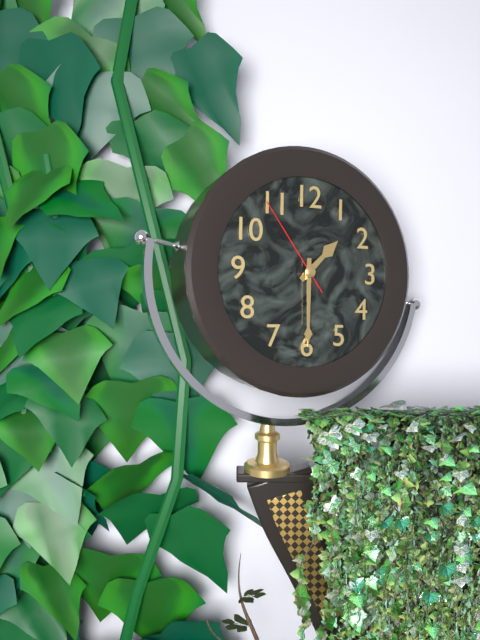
1,30,54
